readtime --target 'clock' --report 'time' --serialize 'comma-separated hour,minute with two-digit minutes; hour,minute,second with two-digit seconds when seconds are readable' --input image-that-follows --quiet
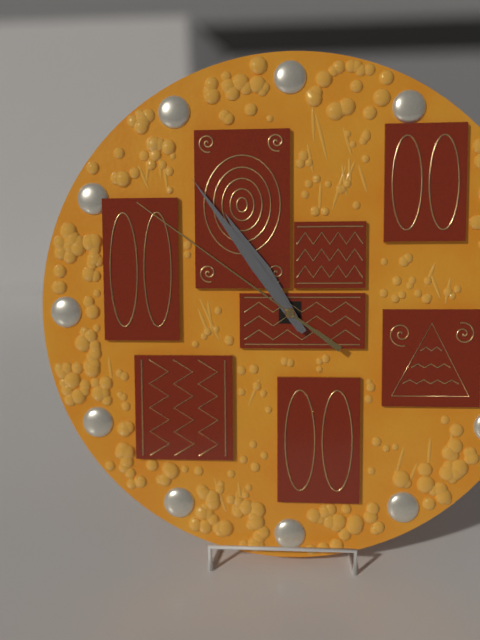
10,54,51
